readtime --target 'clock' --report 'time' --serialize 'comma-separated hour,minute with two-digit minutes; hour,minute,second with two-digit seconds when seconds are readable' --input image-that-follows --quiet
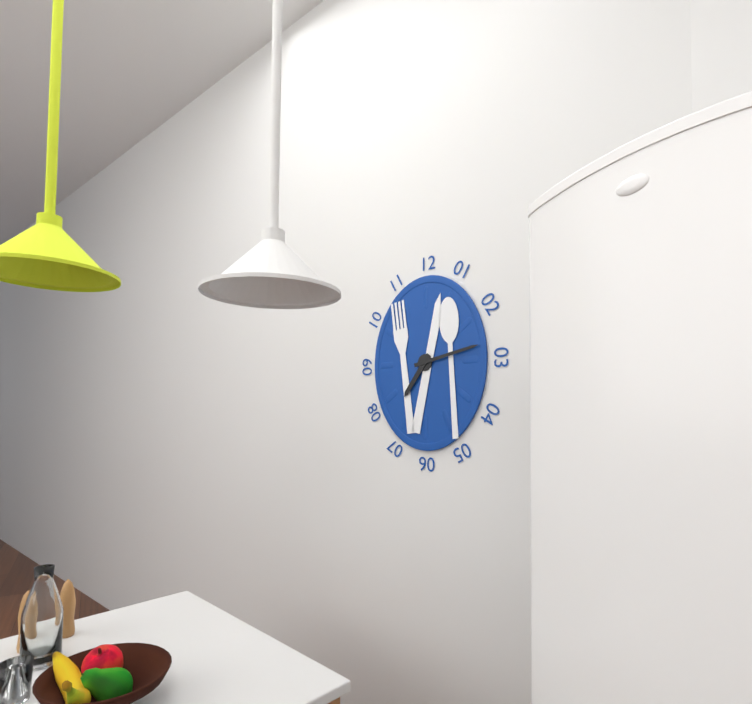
7,13
